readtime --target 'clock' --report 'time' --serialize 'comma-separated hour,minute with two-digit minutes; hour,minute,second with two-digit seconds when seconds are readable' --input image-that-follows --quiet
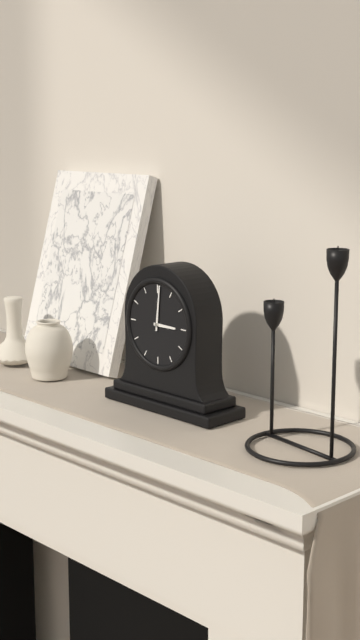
3,01
